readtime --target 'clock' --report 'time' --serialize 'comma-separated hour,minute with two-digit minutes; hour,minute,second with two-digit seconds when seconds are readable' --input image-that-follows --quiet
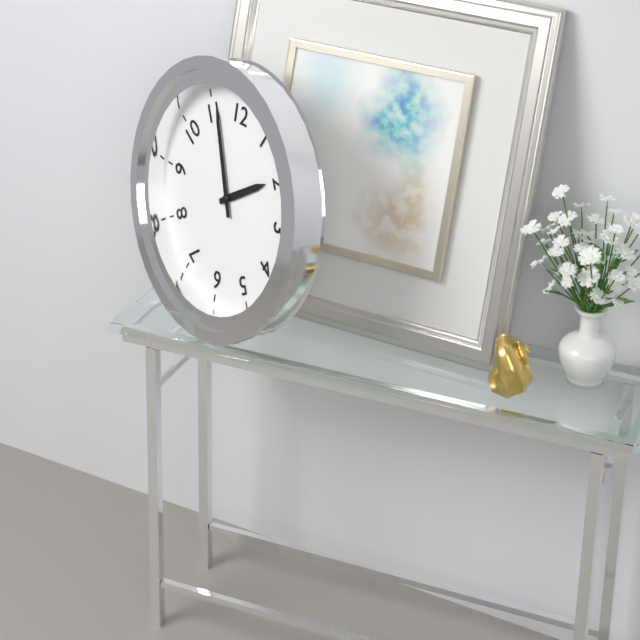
1,56
